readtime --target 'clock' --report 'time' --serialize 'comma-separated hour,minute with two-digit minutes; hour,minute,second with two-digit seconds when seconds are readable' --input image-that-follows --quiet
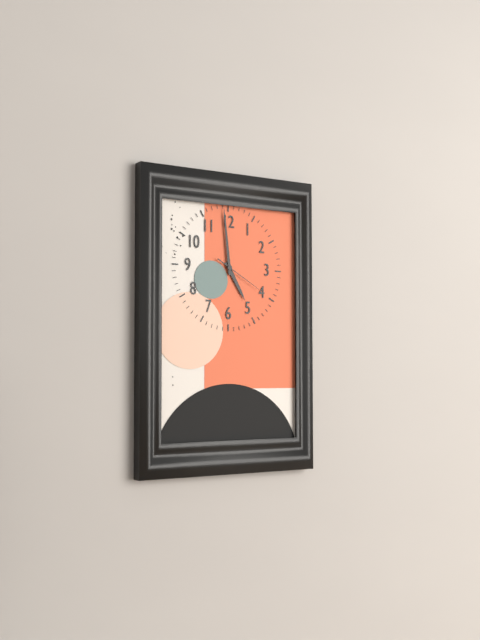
4,59
